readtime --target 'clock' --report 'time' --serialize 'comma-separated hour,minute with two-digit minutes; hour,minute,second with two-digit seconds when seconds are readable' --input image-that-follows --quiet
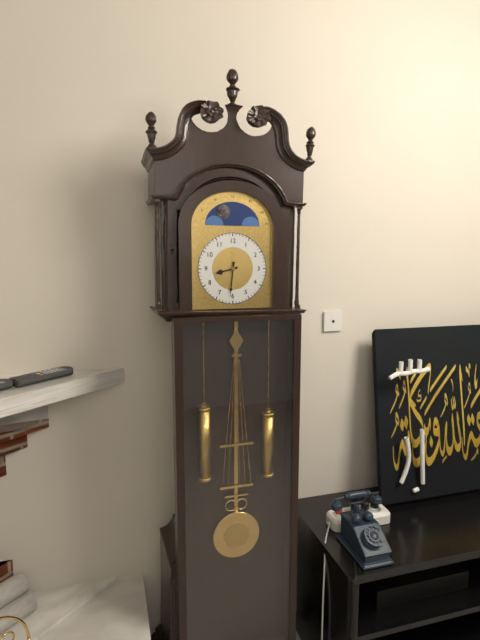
8,31
